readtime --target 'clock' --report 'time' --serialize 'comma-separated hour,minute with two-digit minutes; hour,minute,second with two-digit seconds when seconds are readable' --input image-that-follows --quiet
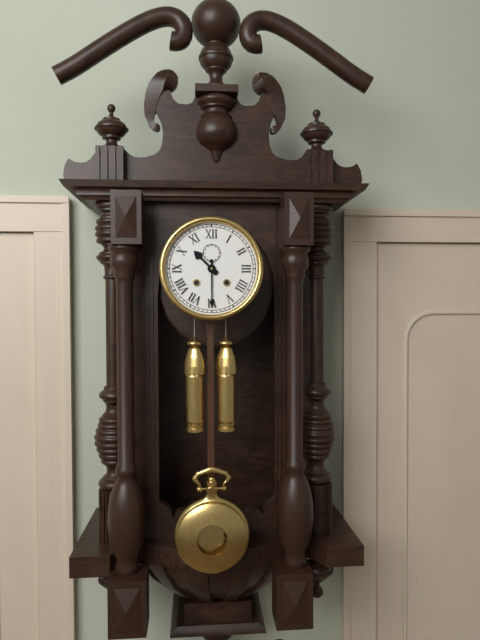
10,30
